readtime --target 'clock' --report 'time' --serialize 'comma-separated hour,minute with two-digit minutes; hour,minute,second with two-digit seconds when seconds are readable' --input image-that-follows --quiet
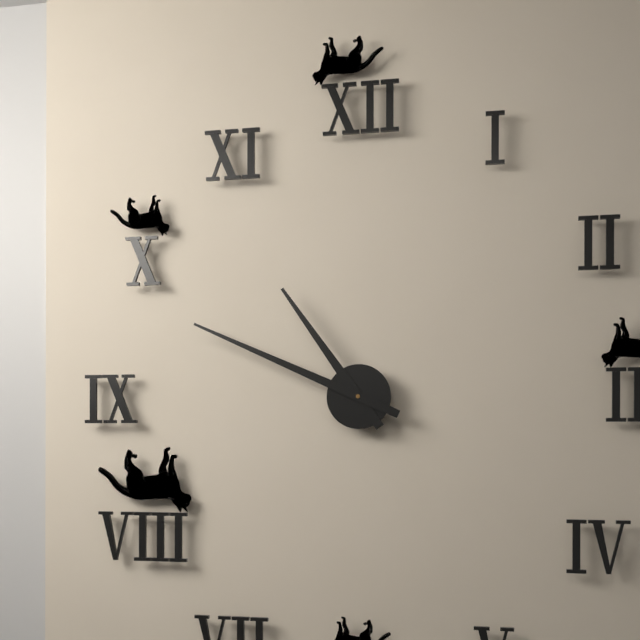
10,49
